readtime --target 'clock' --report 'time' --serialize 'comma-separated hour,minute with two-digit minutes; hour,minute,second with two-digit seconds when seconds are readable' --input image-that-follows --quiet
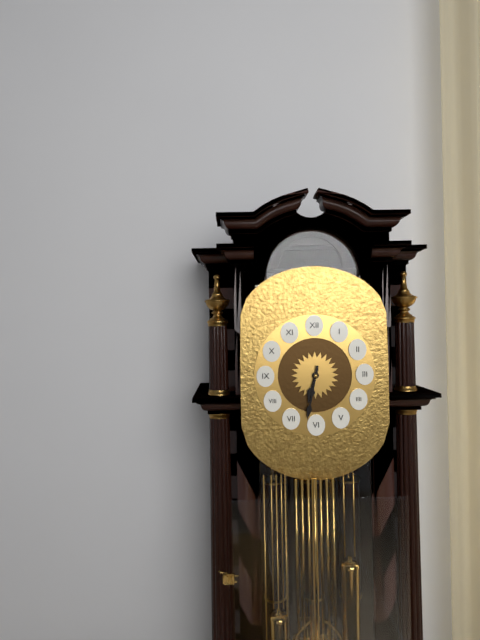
6,32
